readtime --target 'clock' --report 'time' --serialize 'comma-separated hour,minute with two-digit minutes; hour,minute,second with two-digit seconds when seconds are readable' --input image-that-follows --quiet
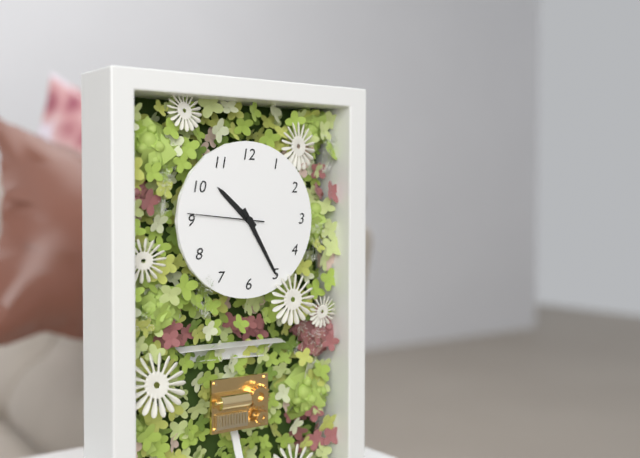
10,25,46
